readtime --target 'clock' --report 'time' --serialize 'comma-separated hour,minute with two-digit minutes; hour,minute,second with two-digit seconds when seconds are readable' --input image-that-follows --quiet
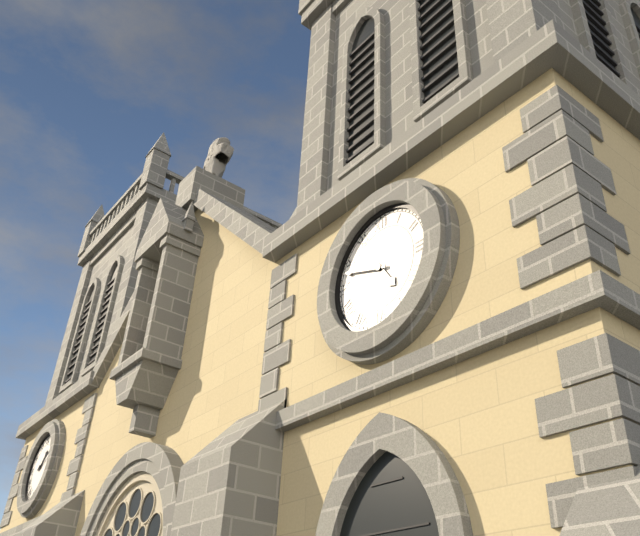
4,48
